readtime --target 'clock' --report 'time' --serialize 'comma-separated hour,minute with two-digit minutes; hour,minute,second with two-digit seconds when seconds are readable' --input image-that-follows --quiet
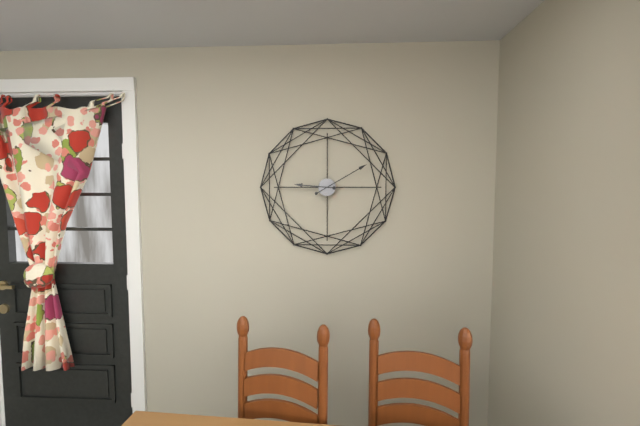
9,10
